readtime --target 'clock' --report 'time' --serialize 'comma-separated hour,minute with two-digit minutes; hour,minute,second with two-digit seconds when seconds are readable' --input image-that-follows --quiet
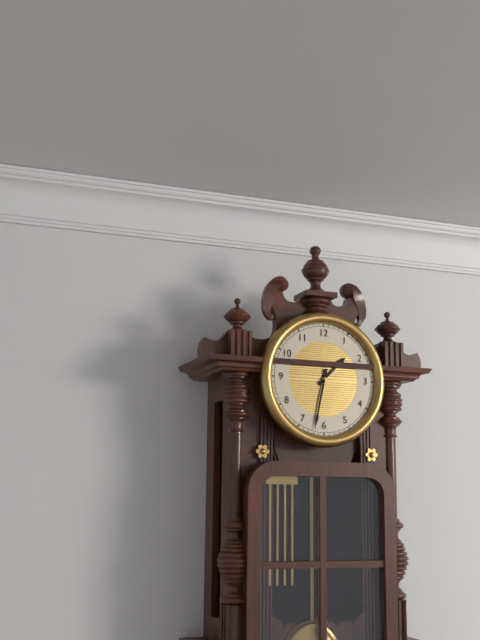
1,32
